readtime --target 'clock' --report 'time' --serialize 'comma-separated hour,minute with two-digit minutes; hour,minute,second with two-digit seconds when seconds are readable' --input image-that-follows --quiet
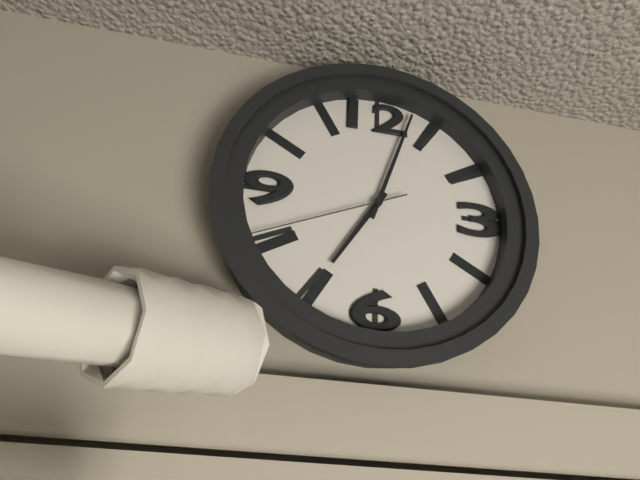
7,03,41
